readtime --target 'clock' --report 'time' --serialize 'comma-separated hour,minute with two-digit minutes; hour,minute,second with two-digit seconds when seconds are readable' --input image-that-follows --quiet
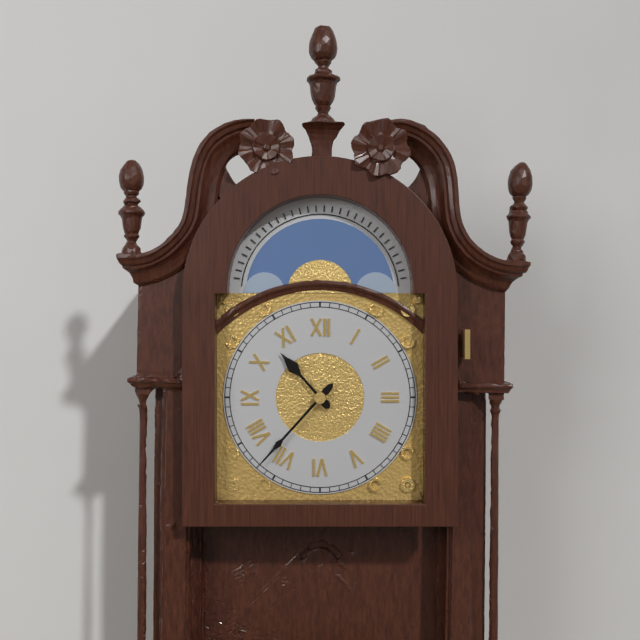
10,37
